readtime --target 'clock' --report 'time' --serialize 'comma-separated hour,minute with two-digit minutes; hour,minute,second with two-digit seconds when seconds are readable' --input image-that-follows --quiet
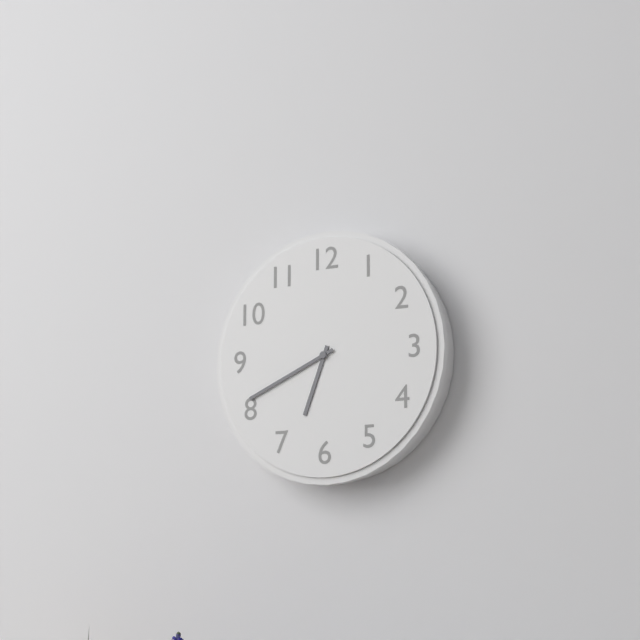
6,41
